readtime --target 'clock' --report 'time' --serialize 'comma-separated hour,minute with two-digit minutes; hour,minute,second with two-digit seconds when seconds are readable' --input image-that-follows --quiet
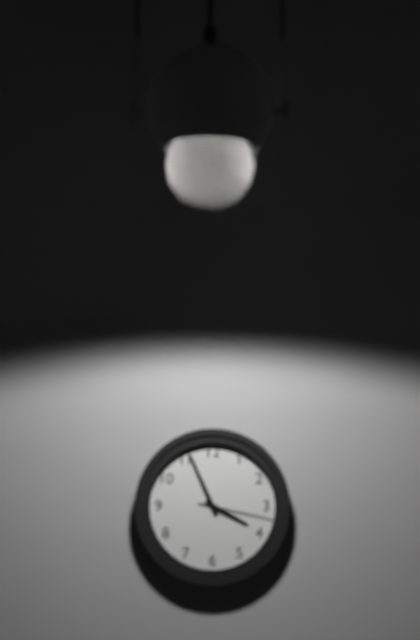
3,56,17
